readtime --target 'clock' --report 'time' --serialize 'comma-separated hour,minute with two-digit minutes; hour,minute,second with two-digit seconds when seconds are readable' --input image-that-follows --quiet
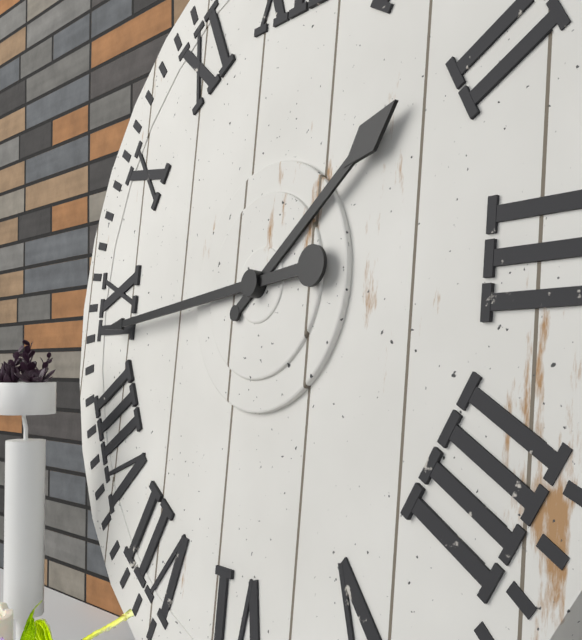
1,44
